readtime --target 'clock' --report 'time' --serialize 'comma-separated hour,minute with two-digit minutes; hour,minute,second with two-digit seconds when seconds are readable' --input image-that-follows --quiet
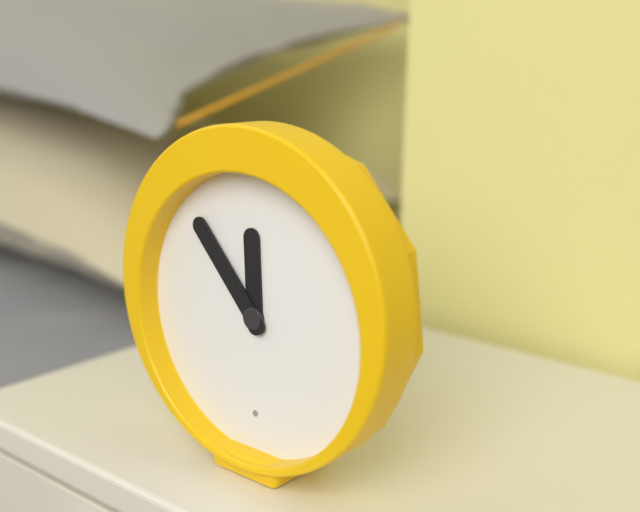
11,53
